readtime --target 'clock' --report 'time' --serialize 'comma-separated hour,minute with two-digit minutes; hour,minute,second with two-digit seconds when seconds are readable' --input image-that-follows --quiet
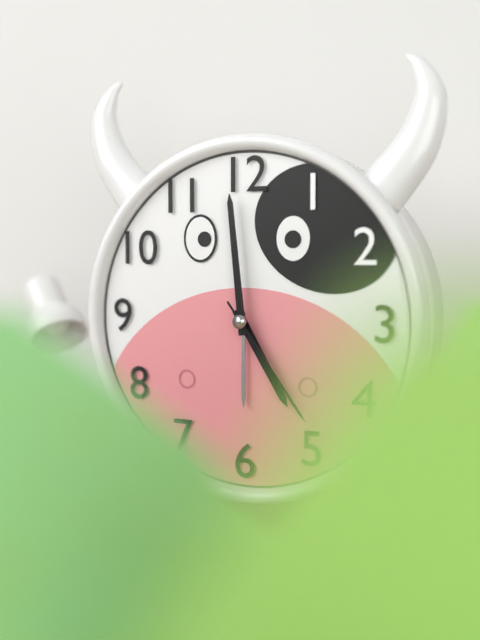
4,59,24
